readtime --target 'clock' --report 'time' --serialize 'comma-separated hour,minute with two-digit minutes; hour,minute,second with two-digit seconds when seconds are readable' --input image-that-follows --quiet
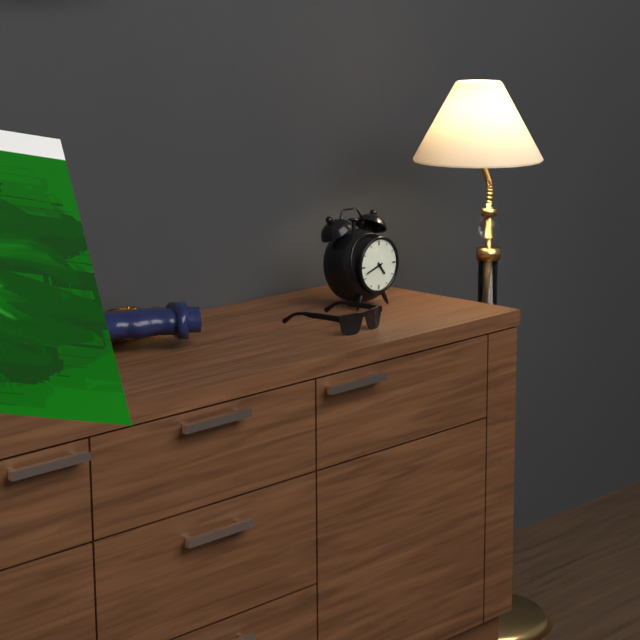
4,42
